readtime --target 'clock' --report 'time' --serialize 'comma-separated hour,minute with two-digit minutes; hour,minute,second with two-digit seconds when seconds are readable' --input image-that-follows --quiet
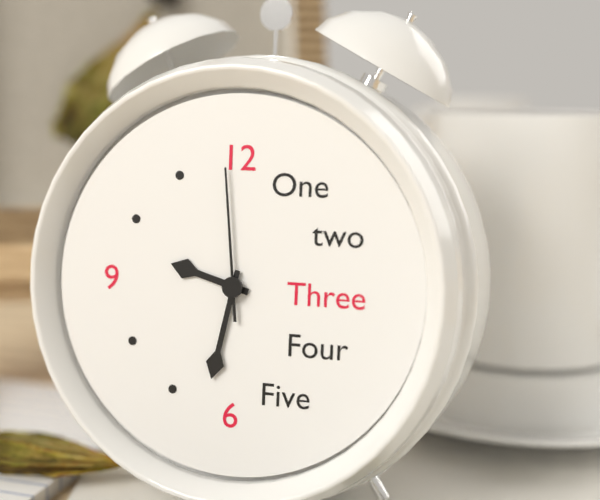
9,32,59
